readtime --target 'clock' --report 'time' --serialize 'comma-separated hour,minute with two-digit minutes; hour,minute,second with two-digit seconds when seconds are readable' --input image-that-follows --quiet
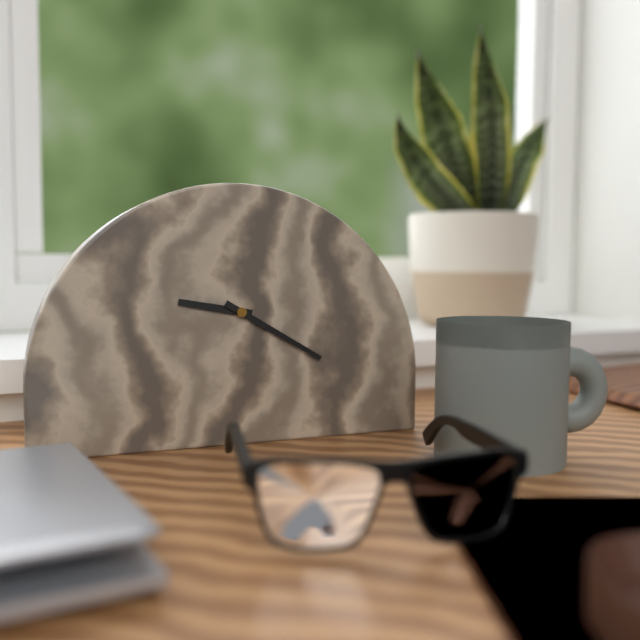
9,20
